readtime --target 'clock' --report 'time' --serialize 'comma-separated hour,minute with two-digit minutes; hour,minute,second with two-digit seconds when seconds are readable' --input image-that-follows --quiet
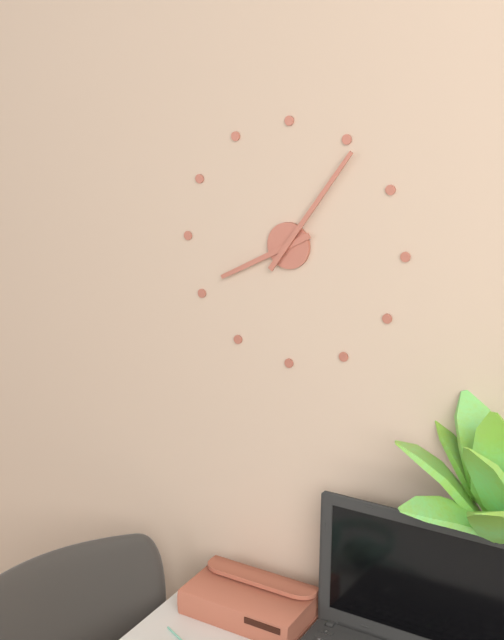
8,06
